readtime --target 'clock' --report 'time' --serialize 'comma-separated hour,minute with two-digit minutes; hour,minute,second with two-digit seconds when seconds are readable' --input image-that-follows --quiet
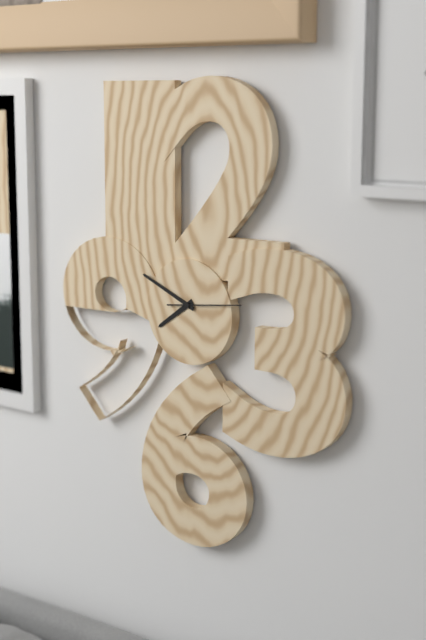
7,49,14
